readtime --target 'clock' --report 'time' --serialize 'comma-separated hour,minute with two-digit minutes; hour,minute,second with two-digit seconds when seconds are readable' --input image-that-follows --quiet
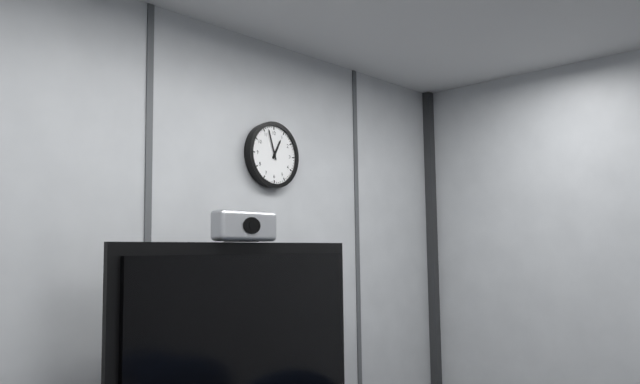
12,57
